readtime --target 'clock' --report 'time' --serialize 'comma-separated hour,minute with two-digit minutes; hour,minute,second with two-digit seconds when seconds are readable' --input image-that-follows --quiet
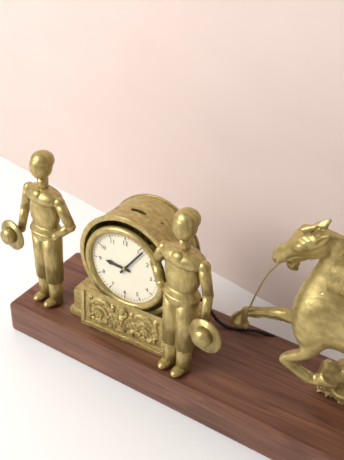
9,06
